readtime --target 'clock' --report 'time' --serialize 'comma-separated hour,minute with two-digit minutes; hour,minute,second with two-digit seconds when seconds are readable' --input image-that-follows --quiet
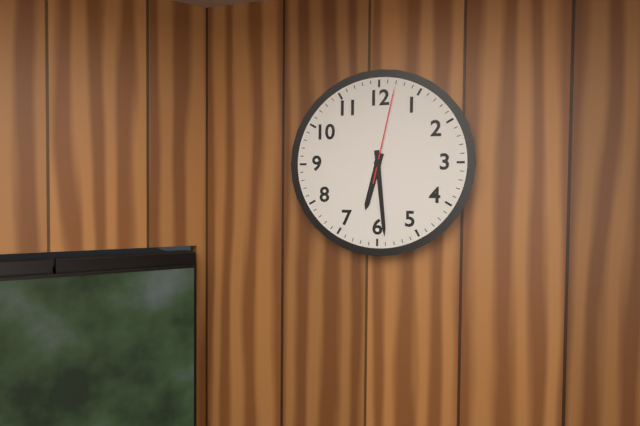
6,29,02
